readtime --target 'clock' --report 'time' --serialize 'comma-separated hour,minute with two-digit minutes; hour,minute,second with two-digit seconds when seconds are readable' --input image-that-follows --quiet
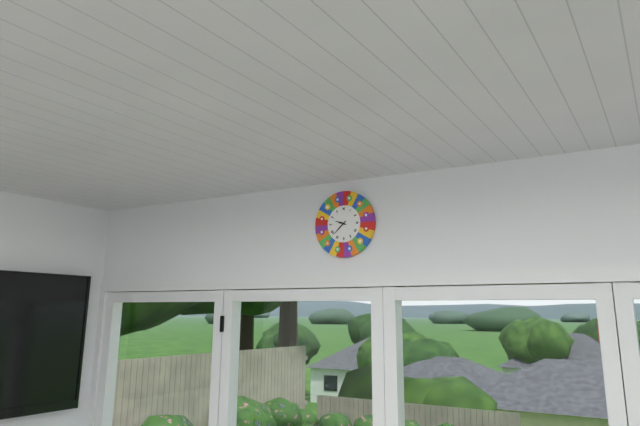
9,38
